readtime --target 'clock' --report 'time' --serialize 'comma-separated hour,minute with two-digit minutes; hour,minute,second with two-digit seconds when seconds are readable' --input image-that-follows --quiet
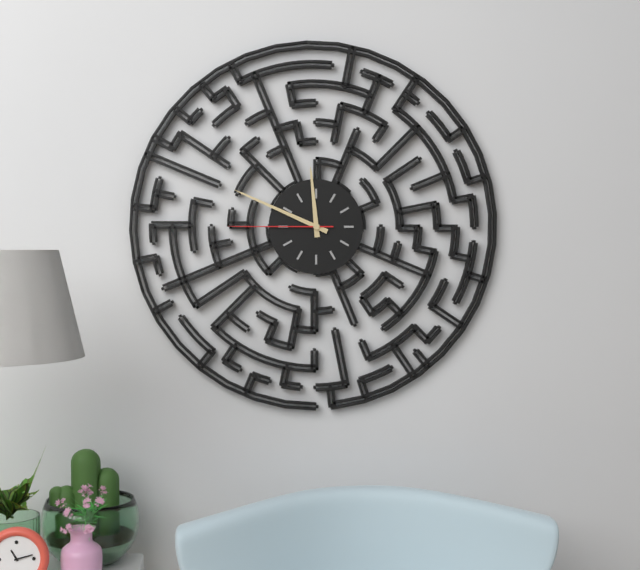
11,49,45
